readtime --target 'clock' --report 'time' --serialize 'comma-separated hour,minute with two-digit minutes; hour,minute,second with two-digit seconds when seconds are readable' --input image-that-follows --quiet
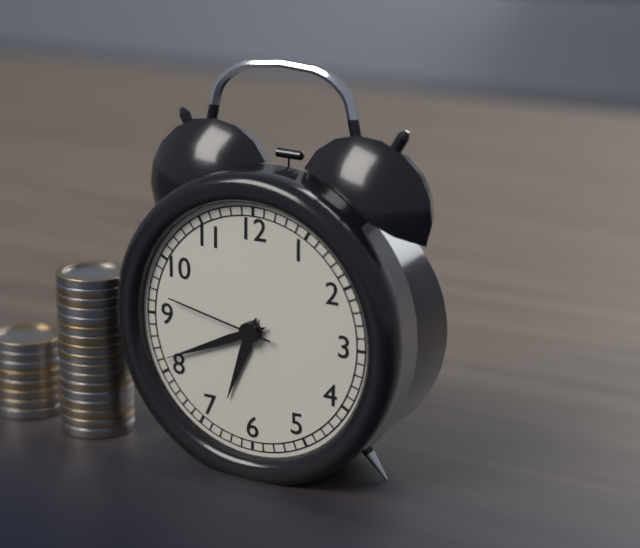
6,41,47
